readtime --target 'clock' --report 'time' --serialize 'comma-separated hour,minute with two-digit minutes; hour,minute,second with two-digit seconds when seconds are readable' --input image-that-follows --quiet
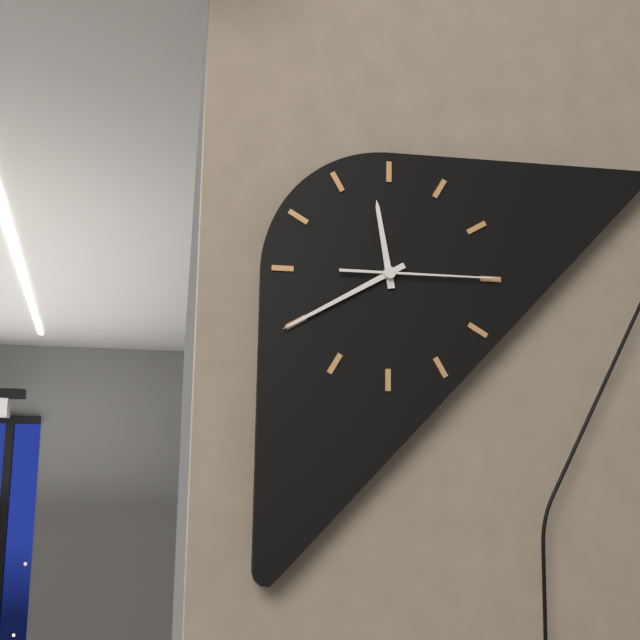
11,40,15
